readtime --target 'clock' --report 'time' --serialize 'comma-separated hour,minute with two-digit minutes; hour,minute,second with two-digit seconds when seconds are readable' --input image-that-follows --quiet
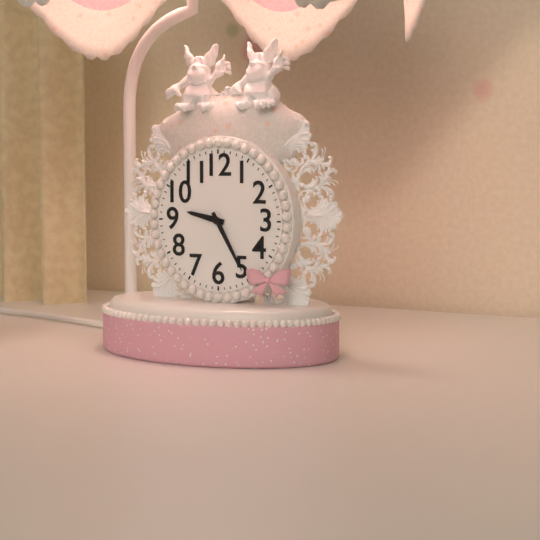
9,25
